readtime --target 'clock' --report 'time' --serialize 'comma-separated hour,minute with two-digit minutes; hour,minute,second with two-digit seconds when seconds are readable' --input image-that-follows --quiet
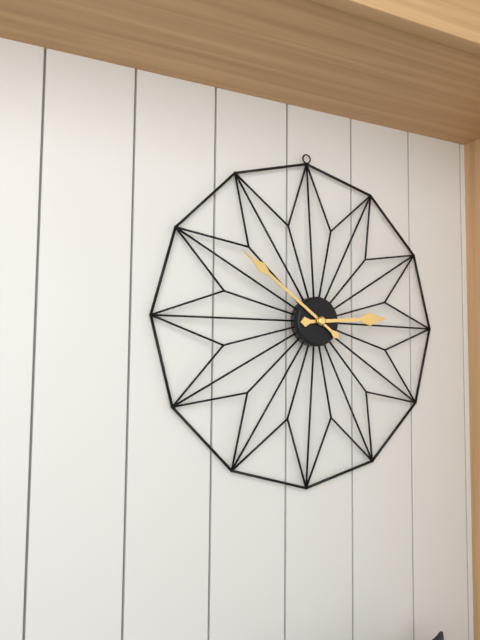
2,51
